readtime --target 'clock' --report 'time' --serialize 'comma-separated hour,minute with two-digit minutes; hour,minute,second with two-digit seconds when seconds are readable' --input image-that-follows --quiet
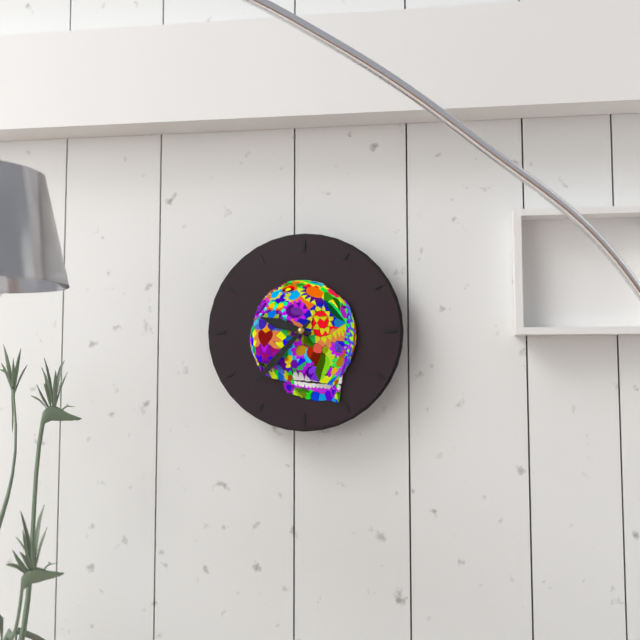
9,37
